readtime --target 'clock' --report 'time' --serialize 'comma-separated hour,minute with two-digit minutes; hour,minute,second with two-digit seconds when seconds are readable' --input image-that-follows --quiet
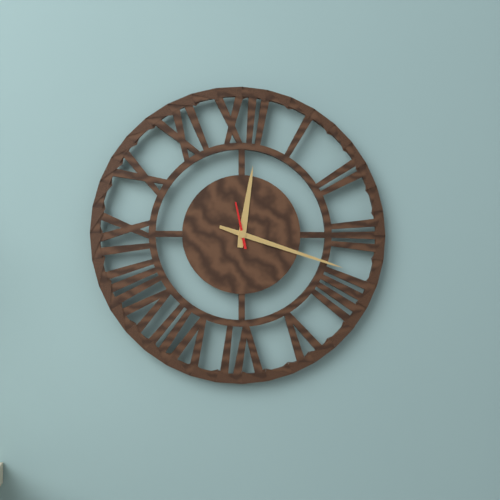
12,18
